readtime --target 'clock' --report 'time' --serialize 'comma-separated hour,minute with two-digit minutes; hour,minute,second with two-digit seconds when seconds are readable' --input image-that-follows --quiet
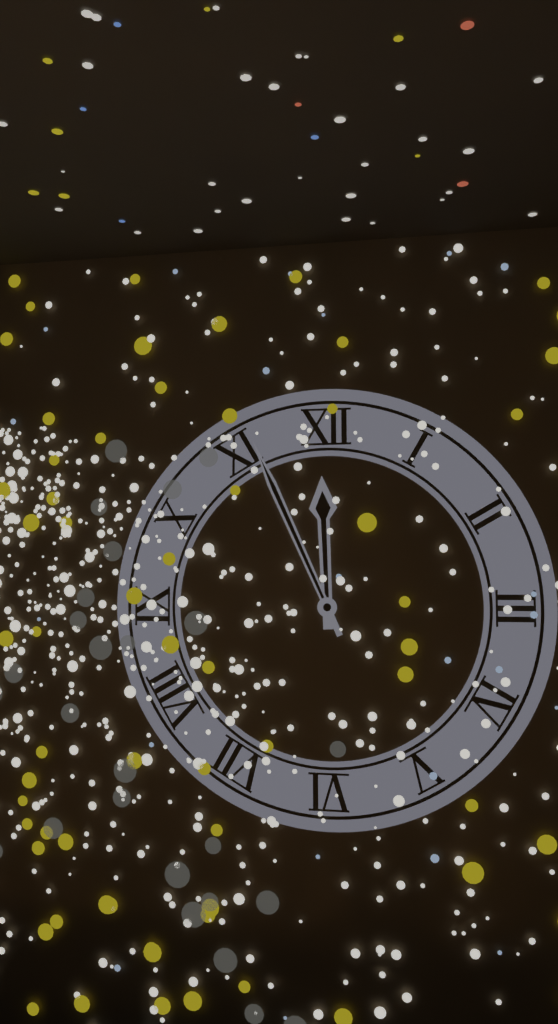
11,56
